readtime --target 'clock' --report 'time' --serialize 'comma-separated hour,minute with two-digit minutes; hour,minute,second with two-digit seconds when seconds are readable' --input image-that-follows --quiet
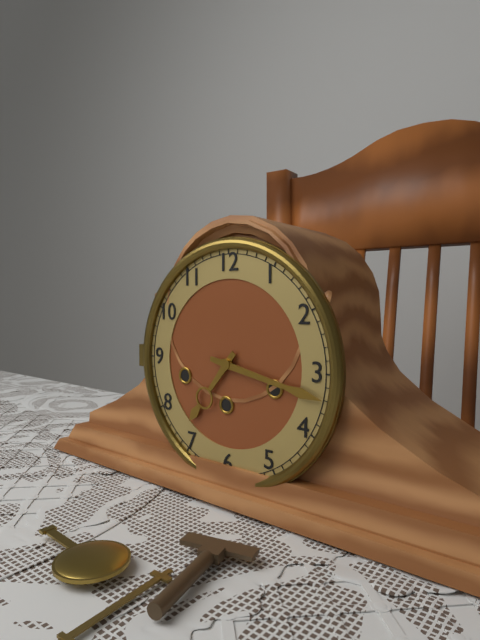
7,17
